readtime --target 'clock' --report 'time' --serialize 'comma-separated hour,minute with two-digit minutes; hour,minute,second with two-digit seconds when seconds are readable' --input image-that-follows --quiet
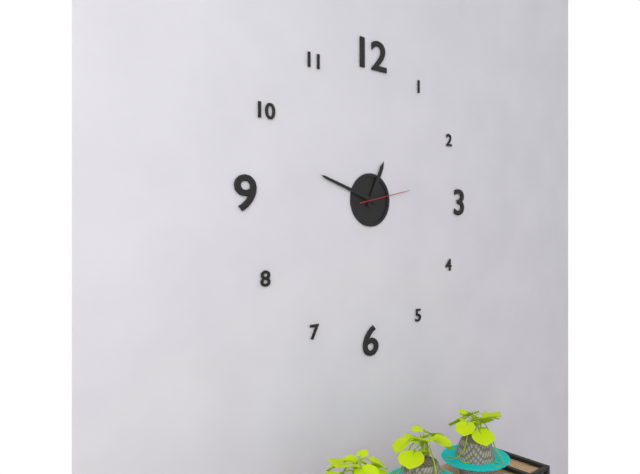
12,48
